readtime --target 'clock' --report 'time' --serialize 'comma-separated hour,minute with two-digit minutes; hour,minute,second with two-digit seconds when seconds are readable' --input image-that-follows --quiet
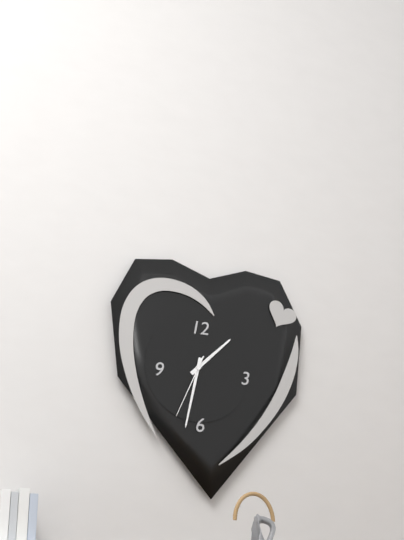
1,32,34
